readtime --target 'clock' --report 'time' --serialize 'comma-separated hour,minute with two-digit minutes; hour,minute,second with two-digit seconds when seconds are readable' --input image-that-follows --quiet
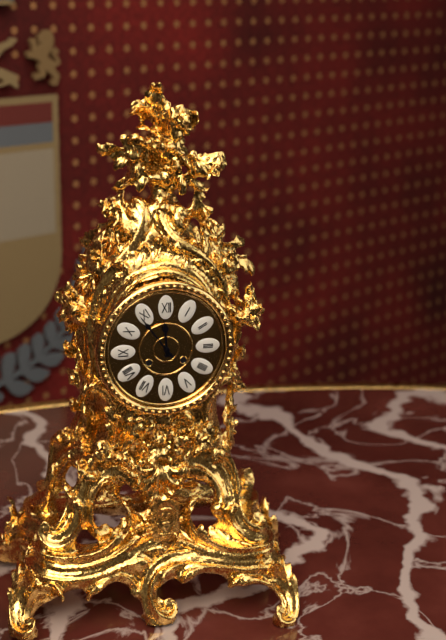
11,54
